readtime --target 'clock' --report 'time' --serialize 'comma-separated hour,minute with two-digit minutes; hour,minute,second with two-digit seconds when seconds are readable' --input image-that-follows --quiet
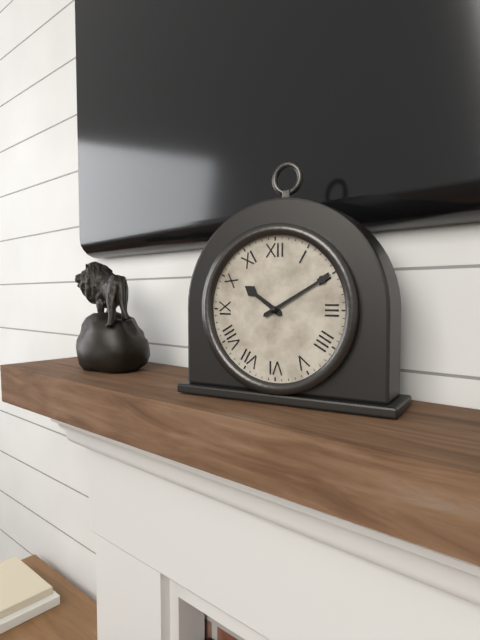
10,10
